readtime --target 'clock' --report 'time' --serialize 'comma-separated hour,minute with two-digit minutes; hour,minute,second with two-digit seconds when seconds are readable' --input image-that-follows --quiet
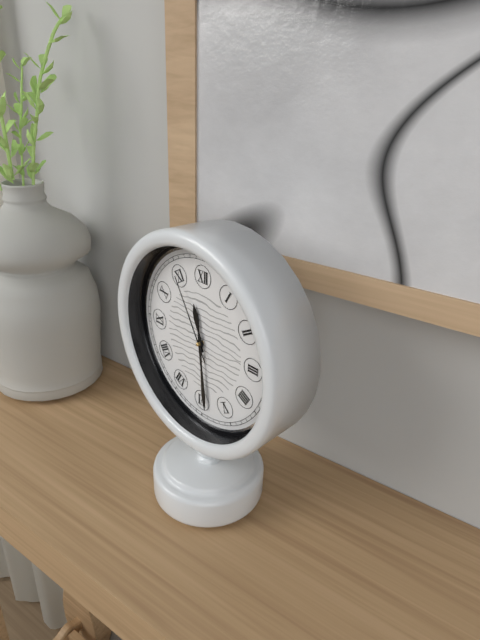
11,29,55
